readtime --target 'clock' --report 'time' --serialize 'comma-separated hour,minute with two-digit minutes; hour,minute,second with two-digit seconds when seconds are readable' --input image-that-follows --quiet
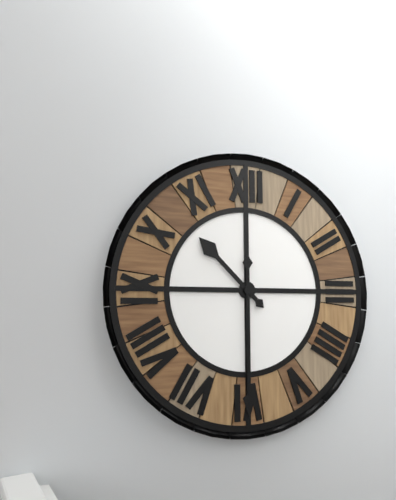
10,30
